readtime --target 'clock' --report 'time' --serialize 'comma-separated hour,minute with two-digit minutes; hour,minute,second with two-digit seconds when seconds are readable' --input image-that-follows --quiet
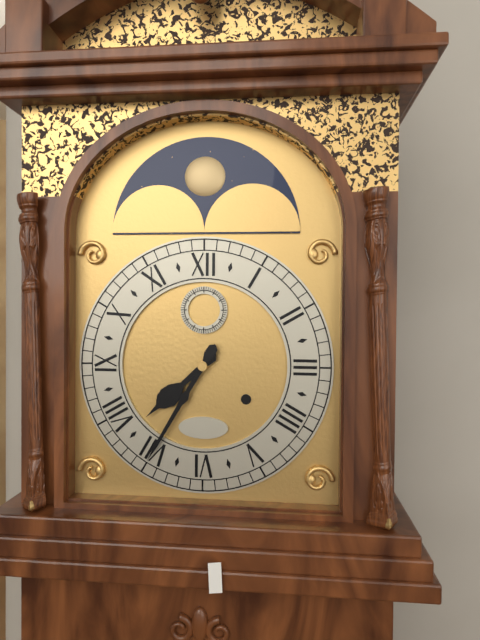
7,35
